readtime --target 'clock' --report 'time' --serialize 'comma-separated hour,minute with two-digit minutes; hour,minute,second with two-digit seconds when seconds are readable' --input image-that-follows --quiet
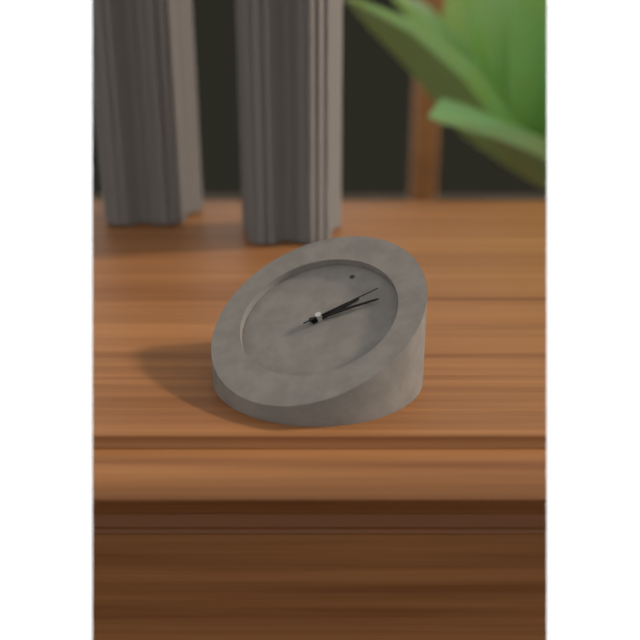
1,08,06
